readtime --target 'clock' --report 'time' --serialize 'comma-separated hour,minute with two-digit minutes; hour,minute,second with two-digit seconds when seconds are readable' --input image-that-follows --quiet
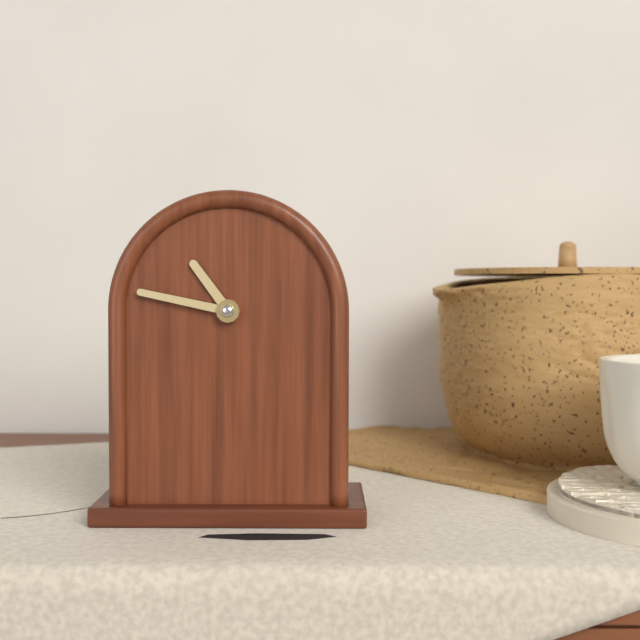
10,47
